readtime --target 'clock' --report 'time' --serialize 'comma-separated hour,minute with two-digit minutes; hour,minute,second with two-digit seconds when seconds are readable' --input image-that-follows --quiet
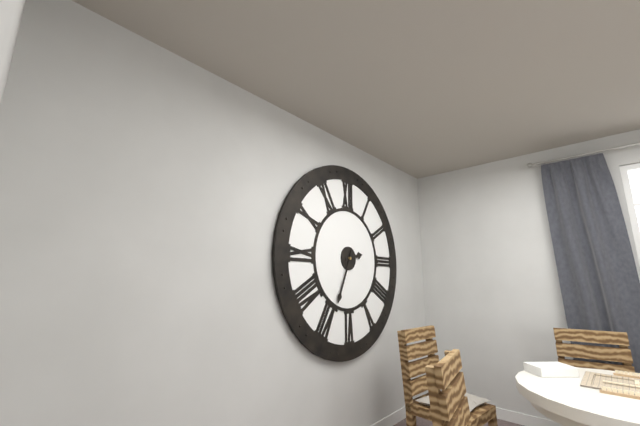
2,34
